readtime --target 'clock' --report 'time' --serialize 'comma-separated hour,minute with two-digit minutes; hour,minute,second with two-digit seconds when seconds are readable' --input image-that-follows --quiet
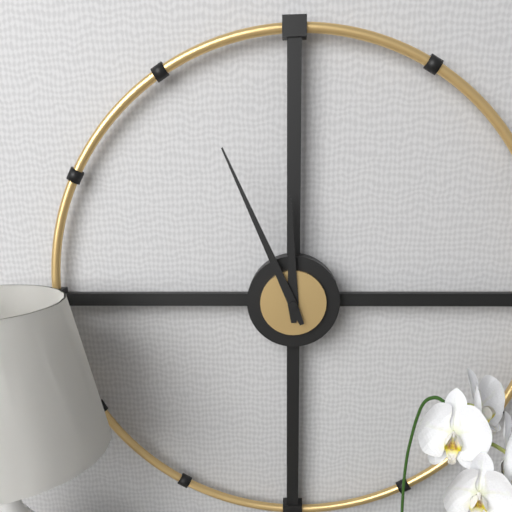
11,56
